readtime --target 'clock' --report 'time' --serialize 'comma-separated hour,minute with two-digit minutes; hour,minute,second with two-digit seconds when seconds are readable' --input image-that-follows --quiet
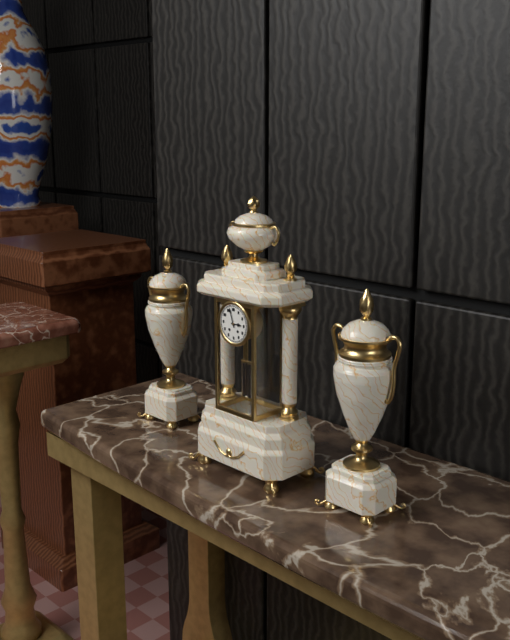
2,57
